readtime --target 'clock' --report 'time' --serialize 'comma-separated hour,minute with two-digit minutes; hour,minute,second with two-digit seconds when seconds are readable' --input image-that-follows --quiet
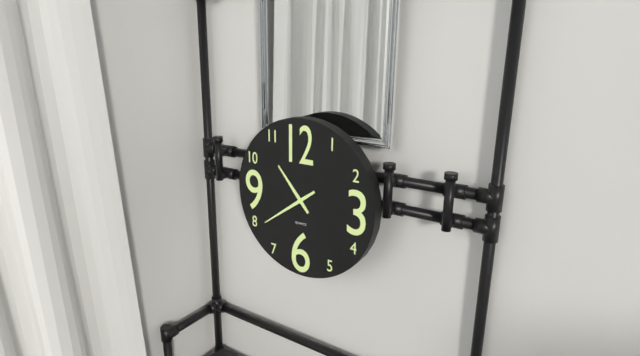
10,39
